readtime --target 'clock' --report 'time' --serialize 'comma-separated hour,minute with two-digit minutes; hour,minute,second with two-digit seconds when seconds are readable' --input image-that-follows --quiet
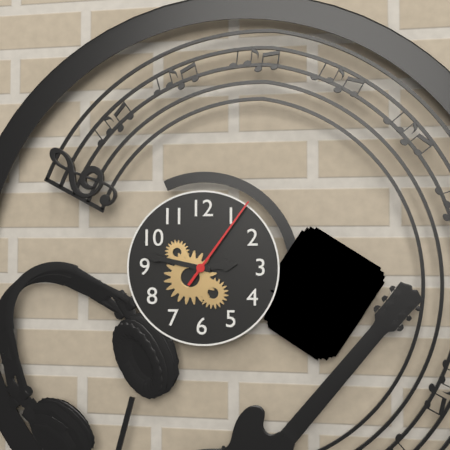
2,47,06
